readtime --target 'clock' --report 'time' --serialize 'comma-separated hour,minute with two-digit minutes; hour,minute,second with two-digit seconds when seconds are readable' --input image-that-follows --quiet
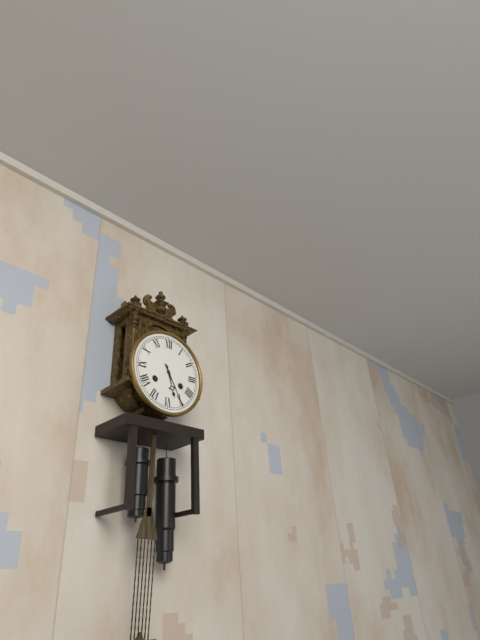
5,25
